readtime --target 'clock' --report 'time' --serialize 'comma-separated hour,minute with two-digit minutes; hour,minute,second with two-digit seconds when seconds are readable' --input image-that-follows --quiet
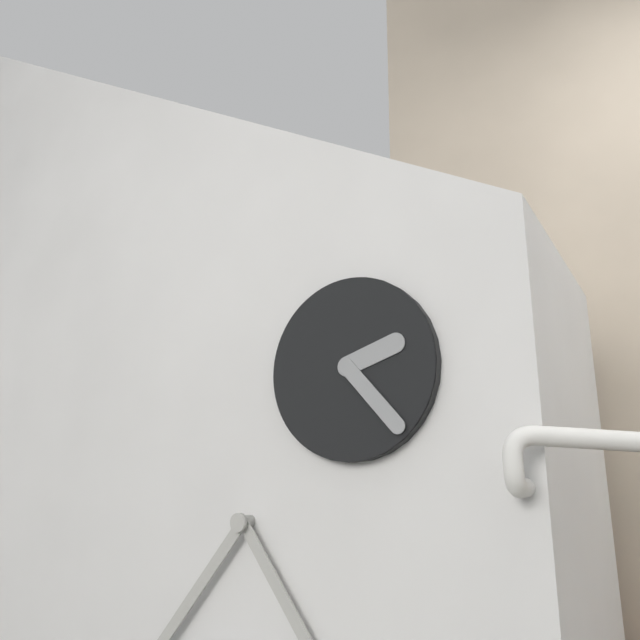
2,23
